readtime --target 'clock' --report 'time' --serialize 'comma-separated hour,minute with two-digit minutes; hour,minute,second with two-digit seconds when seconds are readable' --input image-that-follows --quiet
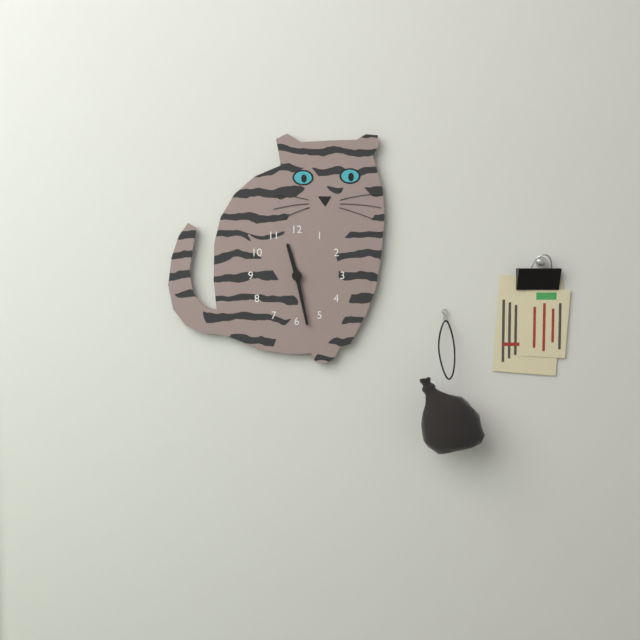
11,28
